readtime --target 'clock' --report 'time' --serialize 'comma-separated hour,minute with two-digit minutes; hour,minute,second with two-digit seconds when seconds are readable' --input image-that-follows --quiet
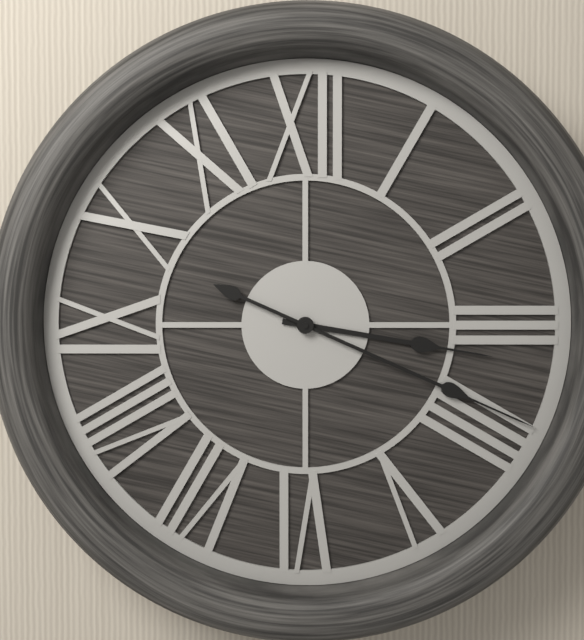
3,19
